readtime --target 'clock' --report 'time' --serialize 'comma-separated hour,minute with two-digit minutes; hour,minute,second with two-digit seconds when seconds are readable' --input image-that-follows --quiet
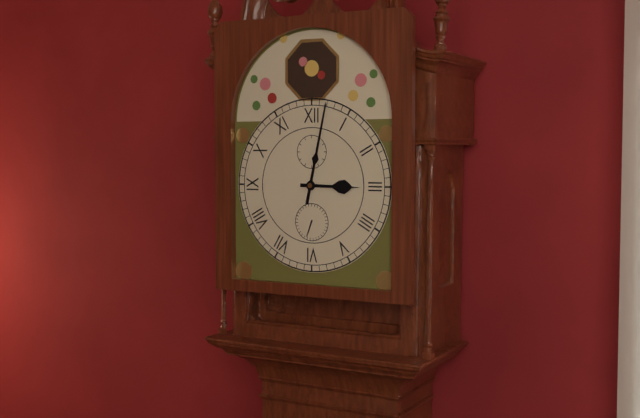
3,02
